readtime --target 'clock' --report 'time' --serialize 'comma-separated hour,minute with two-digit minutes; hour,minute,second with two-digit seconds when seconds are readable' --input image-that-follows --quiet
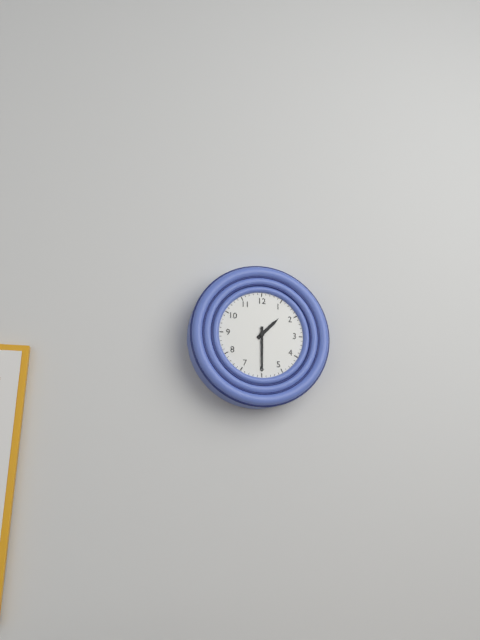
1,30
